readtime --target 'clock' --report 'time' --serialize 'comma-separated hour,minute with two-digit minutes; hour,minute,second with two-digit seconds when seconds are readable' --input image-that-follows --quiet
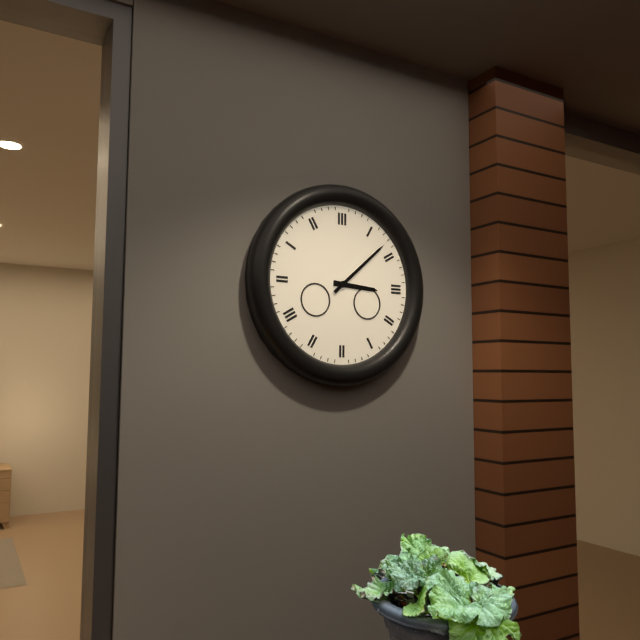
3,08
